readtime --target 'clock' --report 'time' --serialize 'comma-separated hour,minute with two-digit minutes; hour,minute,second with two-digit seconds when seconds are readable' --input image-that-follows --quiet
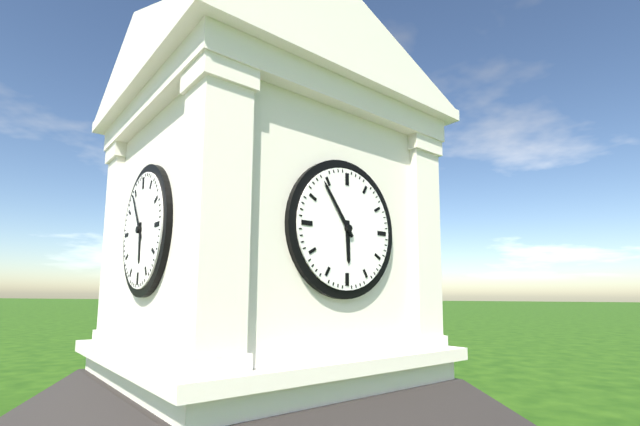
5,54
